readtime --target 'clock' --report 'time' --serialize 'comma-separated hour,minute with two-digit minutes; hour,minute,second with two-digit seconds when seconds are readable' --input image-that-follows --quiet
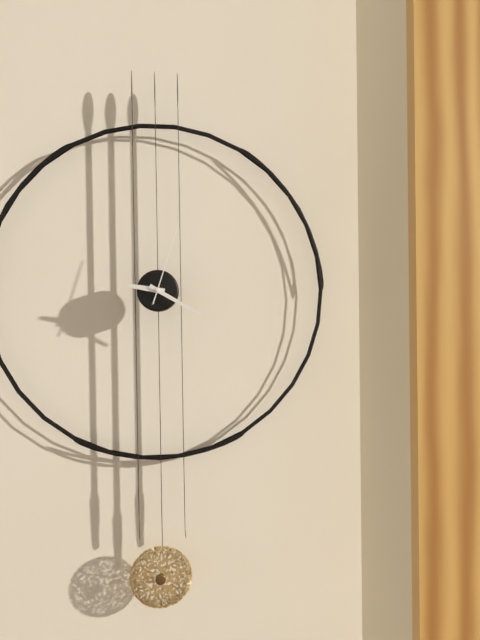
9,20,03
